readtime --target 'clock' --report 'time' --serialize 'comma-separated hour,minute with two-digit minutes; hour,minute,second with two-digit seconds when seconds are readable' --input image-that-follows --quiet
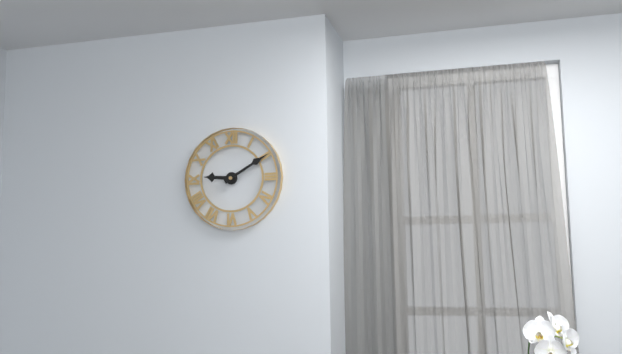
9,10
